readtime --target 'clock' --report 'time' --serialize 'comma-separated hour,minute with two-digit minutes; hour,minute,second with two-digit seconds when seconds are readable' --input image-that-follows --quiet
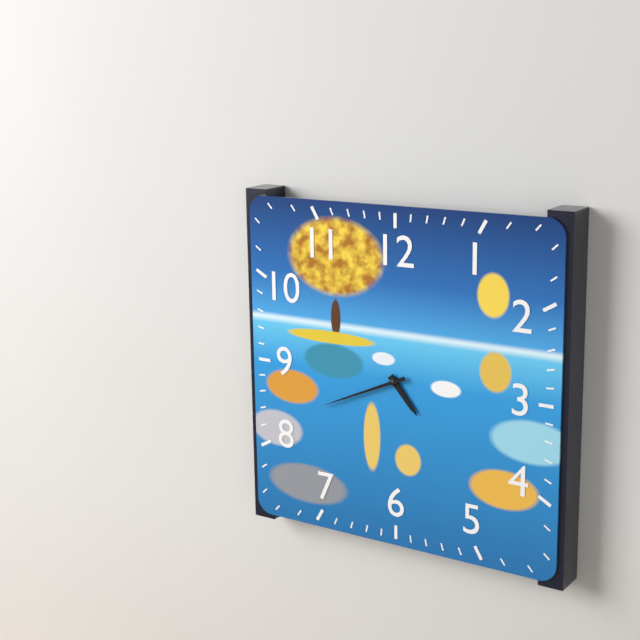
4,41
